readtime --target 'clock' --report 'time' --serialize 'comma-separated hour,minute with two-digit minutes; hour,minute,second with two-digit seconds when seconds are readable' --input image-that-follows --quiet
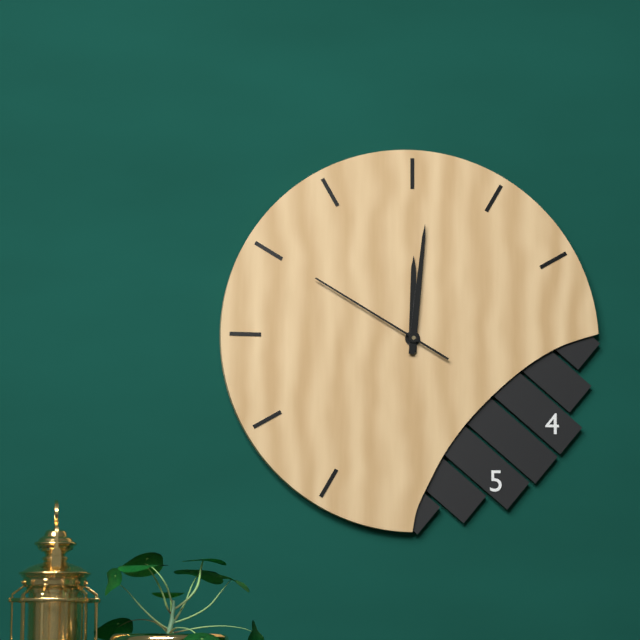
12,01,50
